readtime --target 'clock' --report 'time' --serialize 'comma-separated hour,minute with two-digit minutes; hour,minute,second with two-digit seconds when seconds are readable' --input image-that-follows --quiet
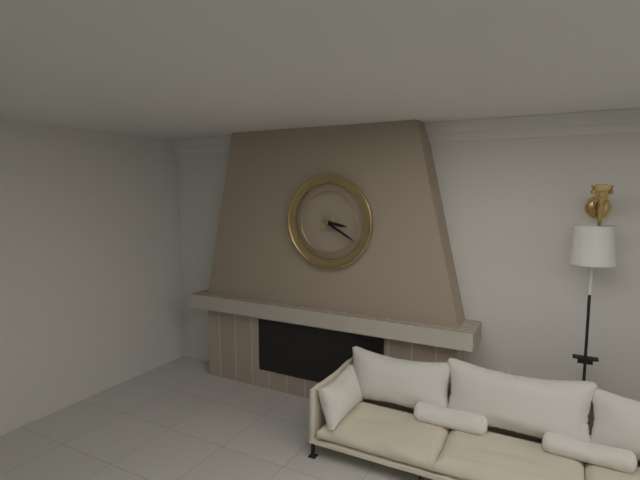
3,20
